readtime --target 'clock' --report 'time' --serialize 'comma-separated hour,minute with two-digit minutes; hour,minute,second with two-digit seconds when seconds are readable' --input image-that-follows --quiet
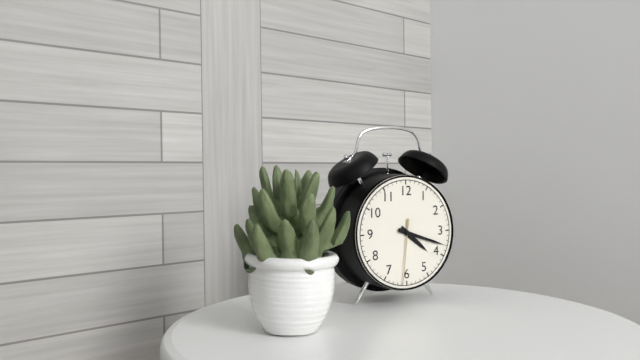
4,18,31
